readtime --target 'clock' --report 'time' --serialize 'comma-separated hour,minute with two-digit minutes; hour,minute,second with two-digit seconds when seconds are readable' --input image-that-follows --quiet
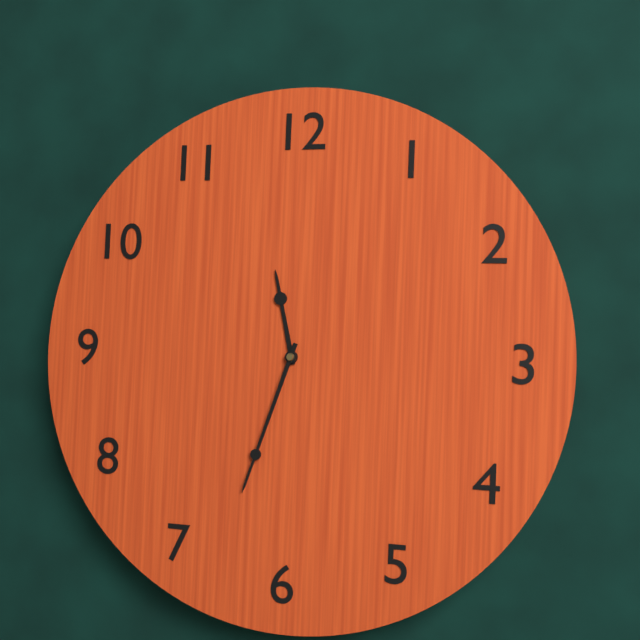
11,33
